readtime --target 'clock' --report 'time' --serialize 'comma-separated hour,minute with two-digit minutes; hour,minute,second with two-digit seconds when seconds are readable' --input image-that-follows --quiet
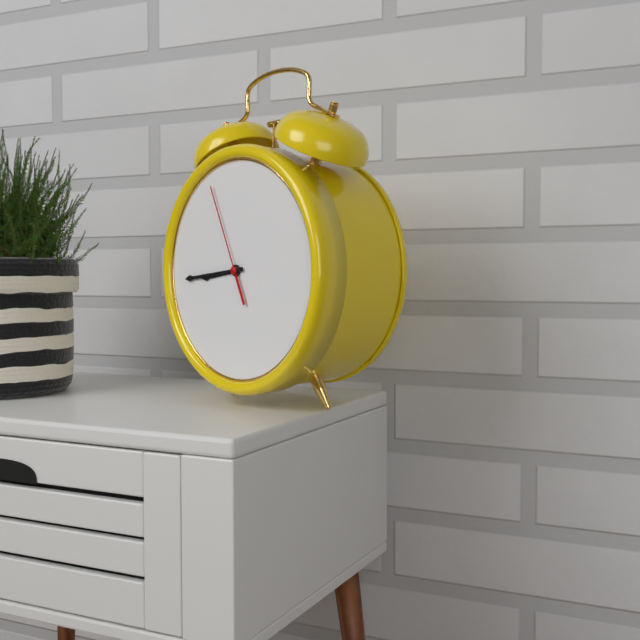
8,44,56
